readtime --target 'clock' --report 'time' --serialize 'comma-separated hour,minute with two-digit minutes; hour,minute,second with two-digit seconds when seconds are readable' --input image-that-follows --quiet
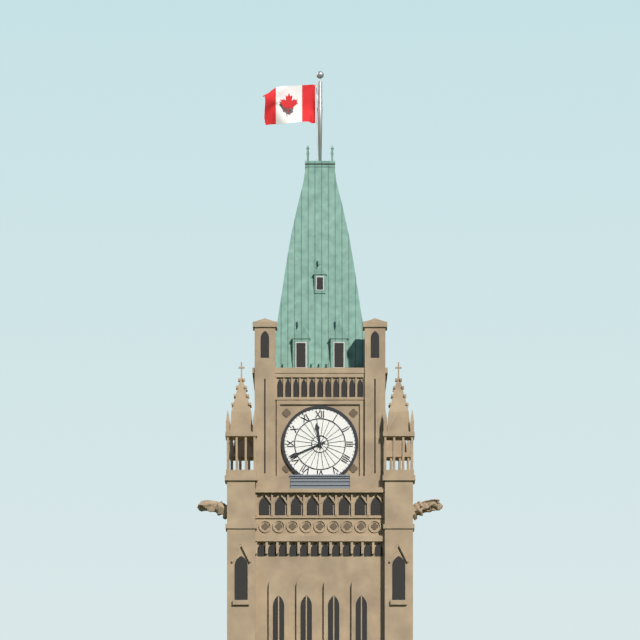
11,41
